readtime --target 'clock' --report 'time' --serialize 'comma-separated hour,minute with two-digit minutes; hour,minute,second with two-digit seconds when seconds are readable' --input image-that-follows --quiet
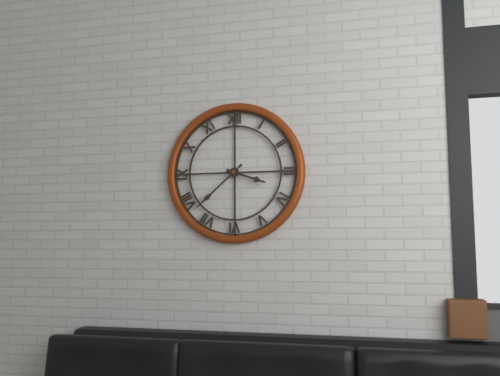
3,38
